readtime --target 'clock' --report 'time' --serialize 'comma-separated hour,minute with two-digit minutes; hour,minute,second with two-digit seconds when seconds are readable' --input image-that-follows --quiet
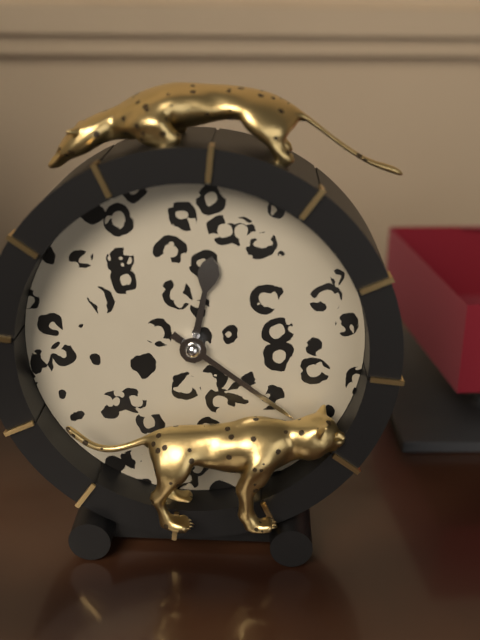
12,21
